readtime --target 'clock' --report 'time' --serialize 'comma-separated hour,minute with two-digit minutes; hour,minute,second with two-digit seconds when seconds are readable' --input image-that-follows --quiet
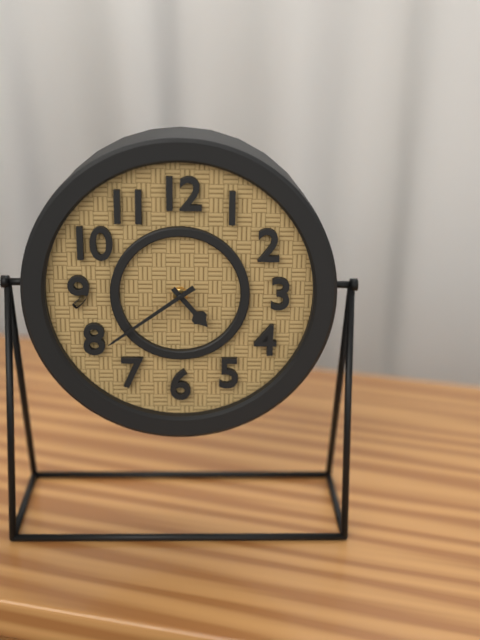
4,39
